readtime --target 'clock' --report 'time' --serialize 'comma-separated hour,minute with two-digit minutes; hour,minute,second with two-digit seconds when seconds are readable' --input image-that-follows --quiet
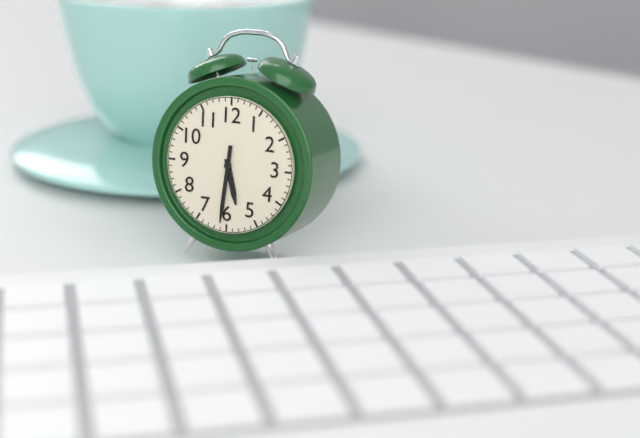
5,31
